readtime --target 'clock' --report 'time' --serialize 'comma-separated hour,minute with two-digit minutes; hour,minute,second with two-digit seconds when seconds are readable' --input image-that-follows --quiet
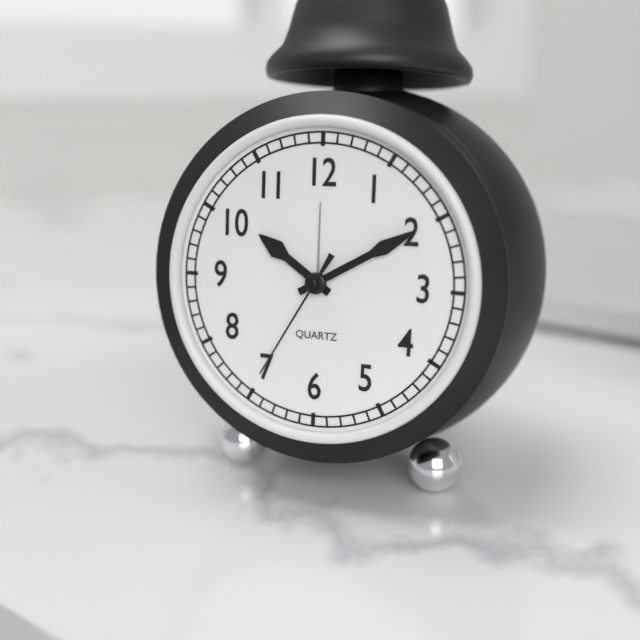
10,10,35
